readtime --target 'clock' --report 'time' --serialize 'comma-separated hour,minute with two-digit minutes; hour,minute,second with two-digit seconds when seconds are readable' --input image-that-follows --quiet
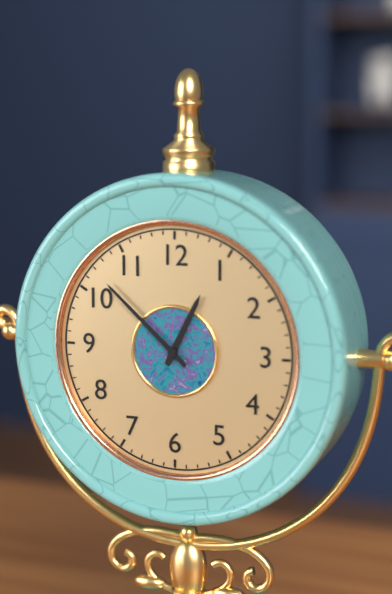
12,52
